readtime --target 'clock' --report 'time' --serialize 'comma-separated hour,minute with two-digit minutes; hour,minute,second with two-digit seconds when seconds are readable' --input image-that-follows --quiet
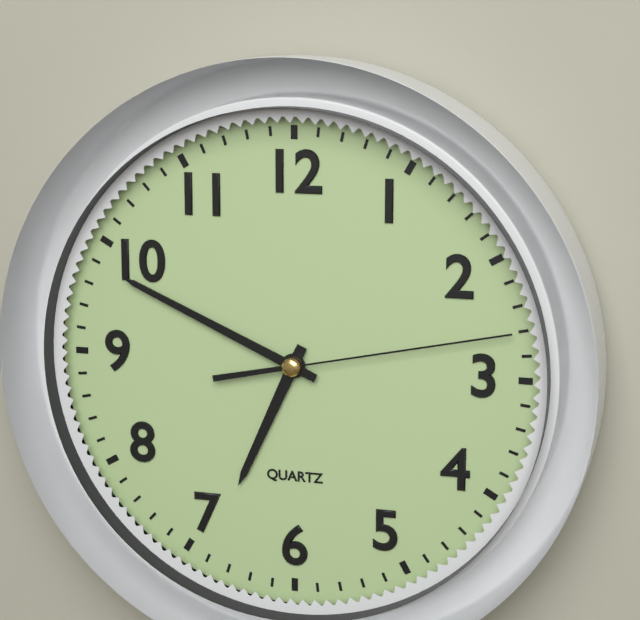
6,49,13
